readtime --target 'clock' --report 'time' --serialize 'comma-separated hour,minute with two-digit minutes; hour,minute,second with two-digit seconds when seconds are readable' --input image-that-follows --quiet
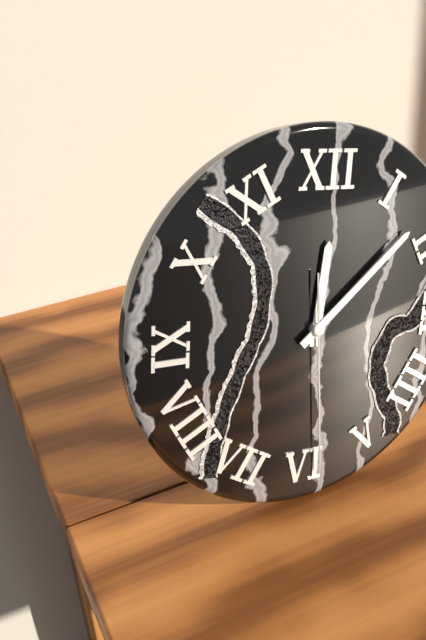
12,08,29
